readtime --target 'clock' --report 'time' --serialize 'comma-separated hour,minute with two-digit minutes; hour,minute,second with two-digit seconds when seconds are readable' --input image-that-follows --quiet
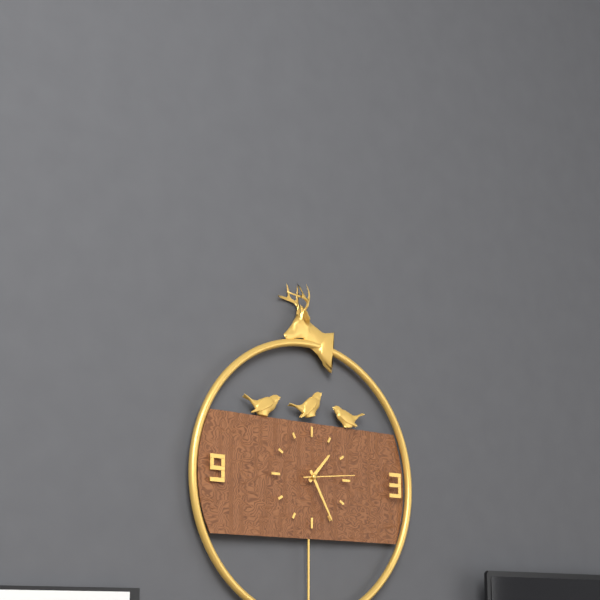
1,25,14
